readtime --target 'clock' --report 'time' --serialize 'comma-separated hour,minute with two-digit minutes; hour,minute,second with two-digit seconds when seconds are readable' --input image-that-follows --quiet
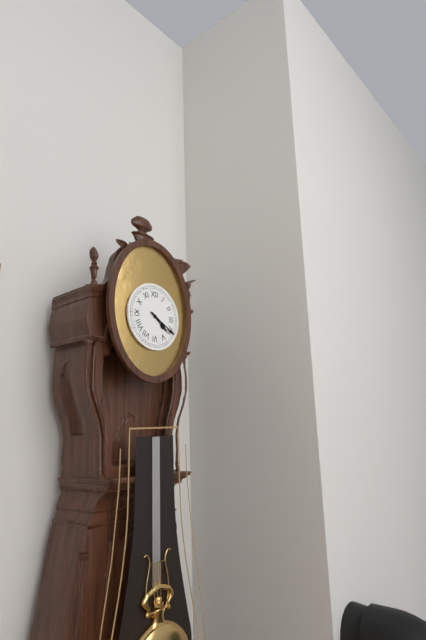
4,20
